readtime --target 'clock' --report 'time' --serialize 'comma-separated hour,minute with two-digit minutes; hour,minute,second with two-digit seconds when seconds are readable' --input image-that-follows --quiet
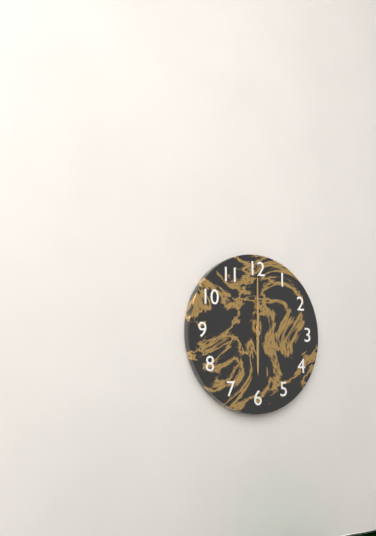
6,00
